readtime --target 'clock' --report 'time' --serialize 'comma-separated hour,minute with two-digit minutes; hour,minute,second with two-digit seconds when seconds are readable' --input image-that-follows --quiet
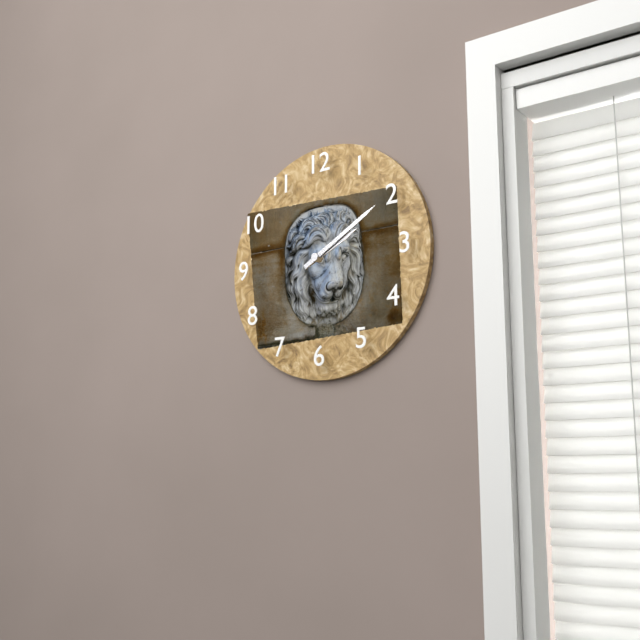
2,10
